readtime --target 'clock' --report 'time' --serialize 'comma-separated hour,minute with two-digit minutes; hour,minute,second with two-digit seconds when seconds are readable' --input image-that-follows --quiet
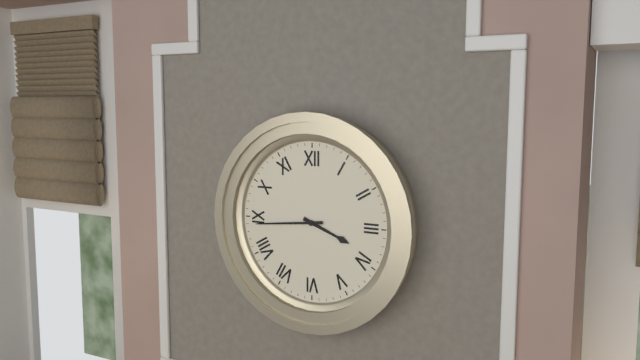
3,44
